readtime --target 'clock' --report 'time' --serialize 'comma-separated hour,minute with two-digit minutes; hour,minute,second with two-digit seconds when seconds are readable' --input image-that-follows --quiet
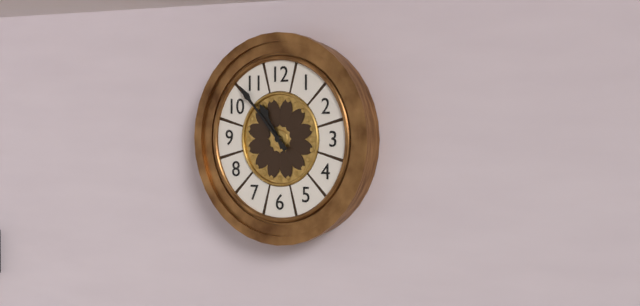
10,53
